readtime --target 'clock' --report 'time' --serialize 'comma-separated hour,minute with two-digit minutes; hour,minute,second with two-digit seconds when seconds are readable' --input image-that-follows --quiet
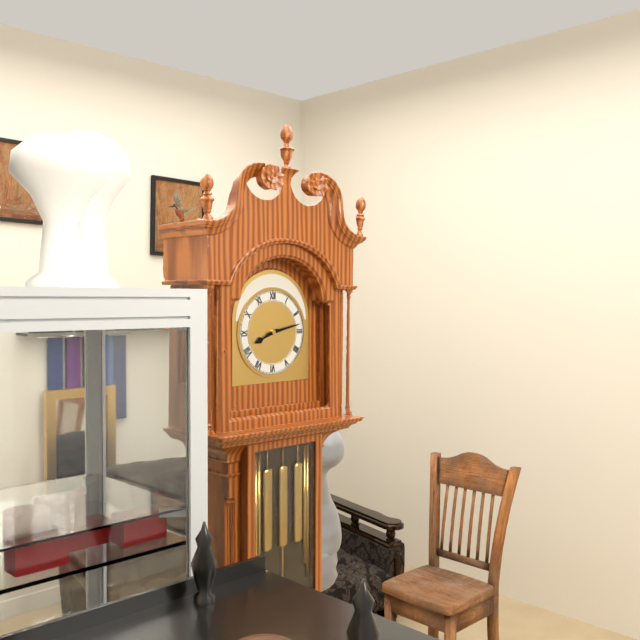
8,13
